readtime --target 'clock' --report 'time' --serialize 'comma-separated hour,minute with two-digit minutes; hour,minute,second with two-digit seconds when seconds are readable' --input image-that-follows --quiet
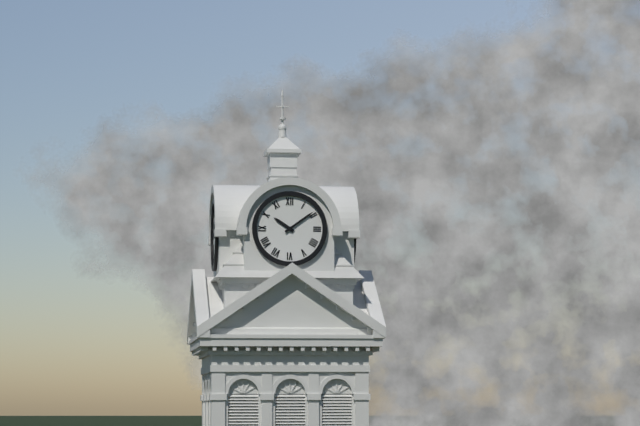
10,09
